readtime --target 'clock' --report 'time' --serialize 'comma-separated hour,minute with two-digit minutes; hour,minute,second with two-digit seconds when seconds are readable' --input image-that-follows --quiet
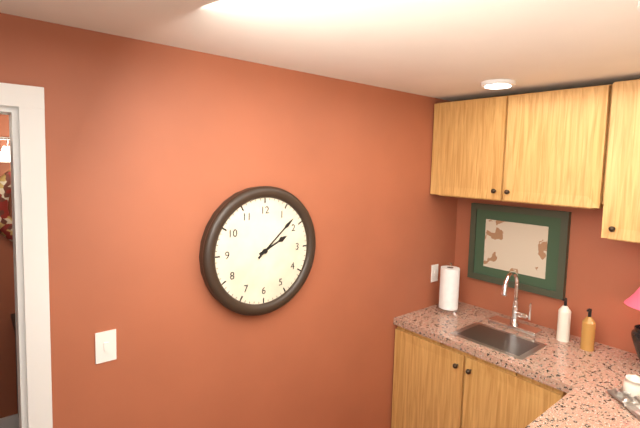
2,08
